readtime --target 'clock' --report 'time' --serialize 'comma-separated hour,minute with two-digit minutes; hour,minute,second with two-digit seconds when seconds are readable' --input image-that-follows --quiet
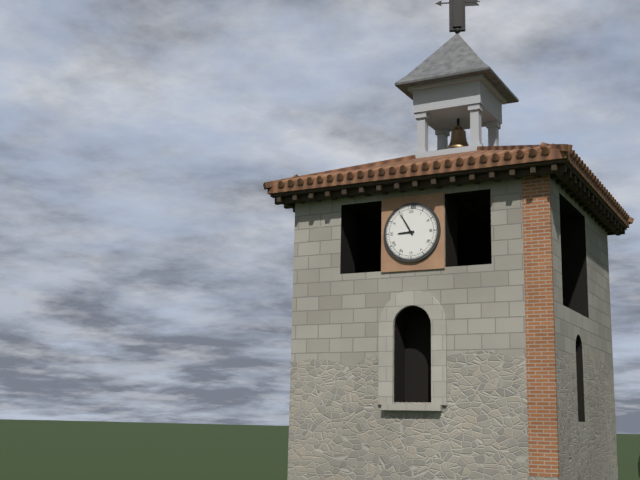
8,55
